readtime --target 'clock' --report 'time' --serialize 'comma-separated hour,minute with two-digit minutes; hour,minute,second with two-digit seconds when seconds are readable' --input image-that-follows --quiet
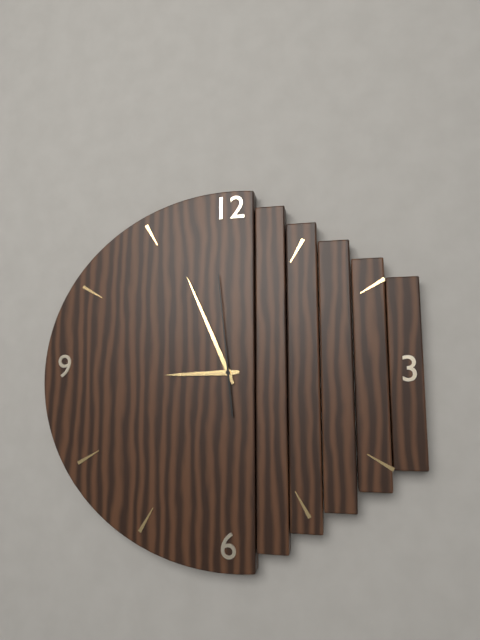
8,56,59
